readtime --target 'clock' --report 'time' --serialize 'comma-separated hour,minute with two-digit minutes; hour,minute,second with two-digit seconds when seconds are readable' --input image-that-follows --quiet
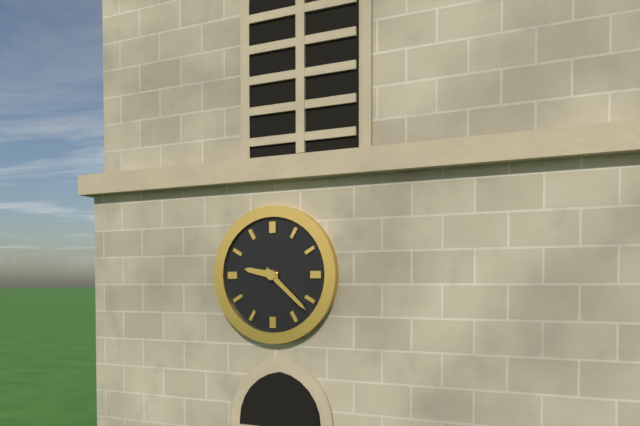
9,22
